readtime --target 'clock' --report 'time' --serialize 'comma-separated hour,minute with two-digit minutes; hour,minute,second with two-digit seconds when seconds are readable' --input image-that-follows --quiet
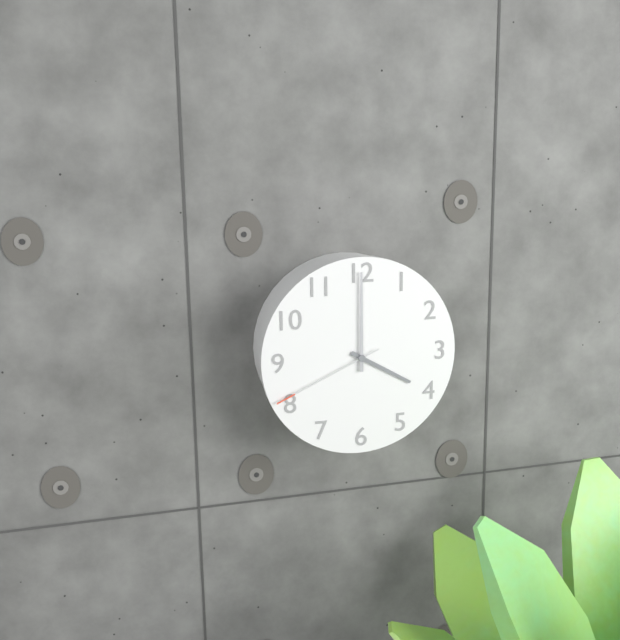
4,00,41
